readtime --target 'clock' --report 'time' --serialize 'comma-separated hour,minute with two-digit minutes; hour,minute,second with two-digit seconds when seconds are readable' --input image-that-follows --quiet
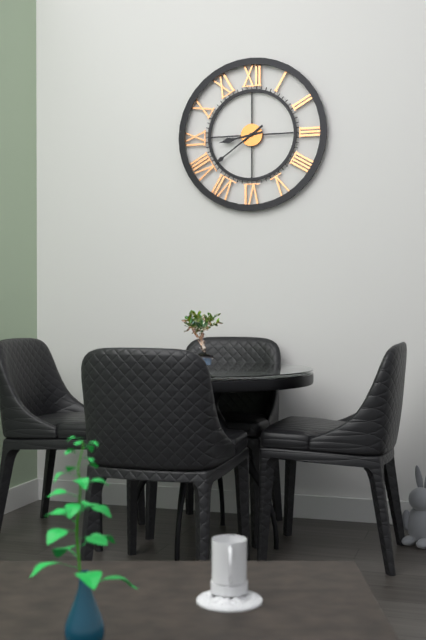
8,39
